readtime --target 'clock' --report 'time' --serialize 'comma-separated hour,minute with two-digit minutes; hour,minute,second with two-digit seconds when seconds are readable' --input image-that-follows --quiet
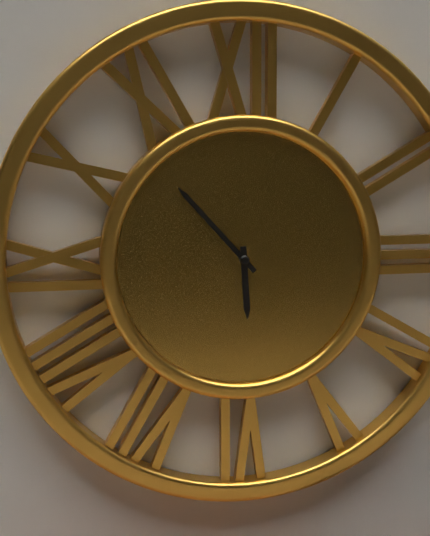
5,53
